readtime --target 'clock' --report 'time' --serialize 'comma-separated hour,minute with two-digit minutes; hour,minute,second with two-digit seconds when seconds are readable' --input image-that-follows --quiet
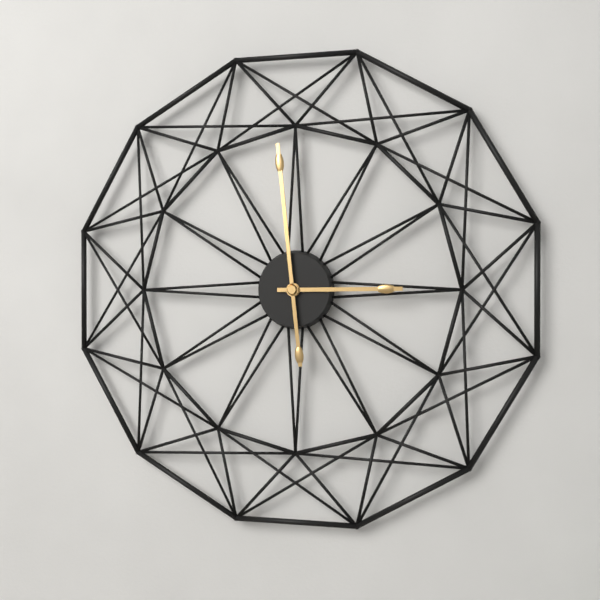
2,59
